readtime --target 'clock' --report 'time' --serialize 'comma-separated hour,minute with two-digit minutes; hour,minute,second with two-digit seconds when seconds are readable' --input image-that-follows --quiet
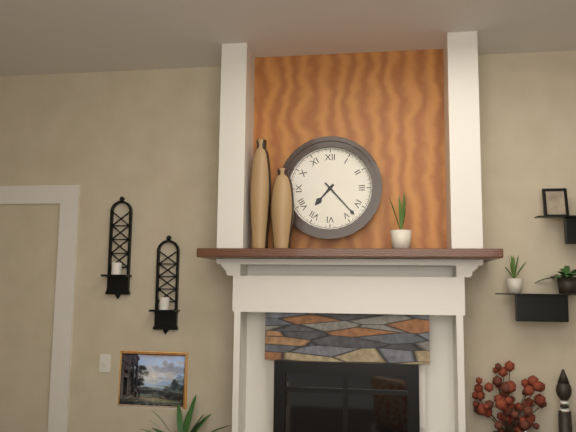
7,23
